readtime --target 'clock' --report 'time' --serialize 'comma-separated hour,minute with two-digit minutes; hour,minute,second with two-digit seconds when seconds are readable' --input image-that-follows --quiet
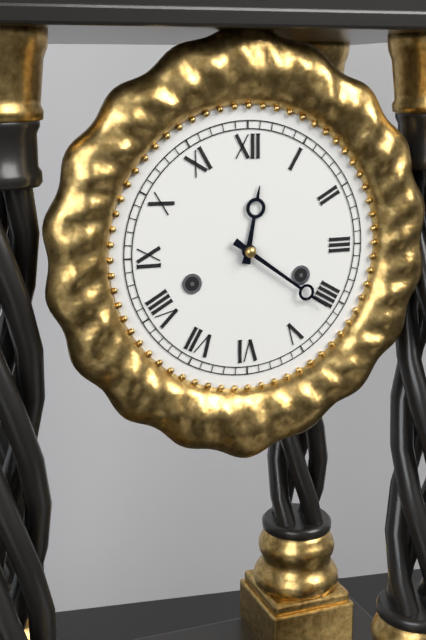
12,21
